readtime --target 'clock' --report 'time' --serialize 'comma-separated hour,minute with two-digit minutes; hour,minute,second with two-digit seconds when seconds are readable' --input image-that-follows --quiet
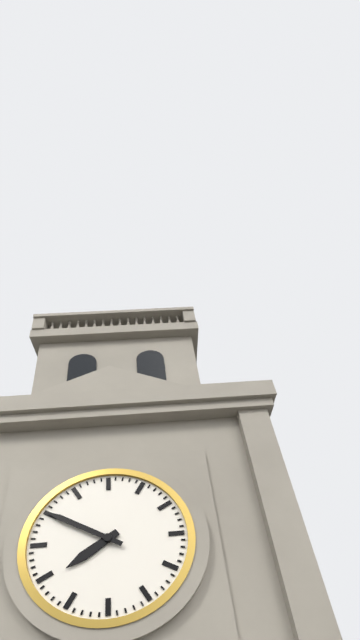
7,50
